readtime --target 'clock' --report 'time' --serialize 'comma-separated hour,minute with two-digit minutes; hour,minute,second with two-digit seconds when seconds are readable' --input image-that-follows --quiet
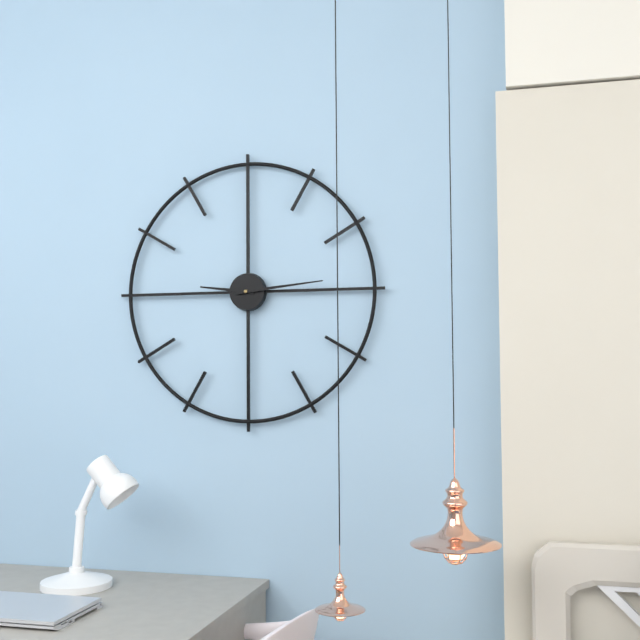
9,14
